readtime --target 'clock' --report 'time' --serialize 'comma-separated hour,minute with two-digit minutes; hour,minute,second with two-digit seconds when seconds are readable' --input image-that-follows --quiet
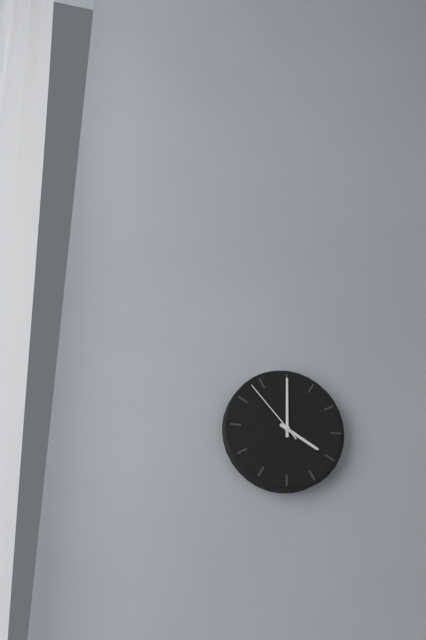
4,00,53
